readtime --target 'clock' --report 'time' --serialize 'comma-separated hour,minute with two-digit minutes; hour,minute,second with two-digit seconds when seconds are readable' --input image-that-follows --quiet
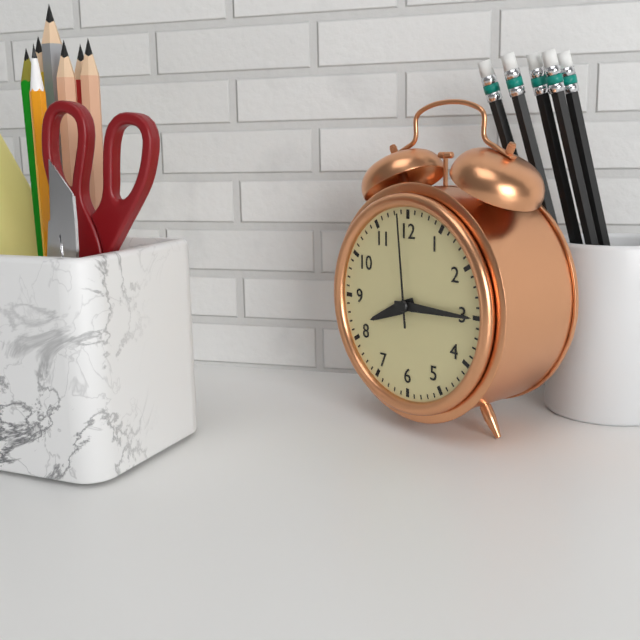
8,15,59
